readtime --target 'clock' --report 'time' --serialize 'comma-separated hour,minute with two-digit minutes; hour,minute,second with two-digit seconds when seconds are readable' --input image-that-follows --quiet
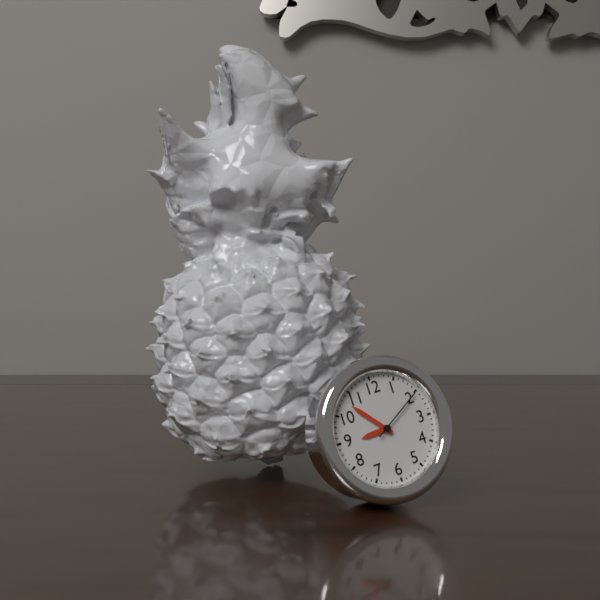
8,53,10
